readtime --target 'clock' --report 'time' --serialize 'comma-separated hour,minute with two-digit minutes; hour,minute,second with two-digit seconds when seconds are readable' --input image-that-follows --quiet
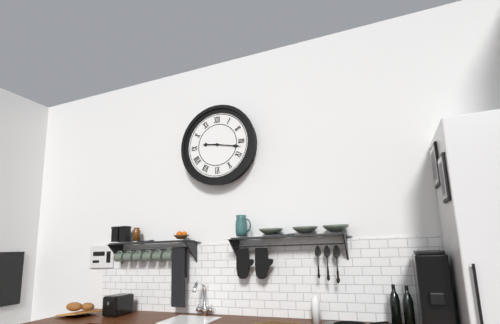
9,17
